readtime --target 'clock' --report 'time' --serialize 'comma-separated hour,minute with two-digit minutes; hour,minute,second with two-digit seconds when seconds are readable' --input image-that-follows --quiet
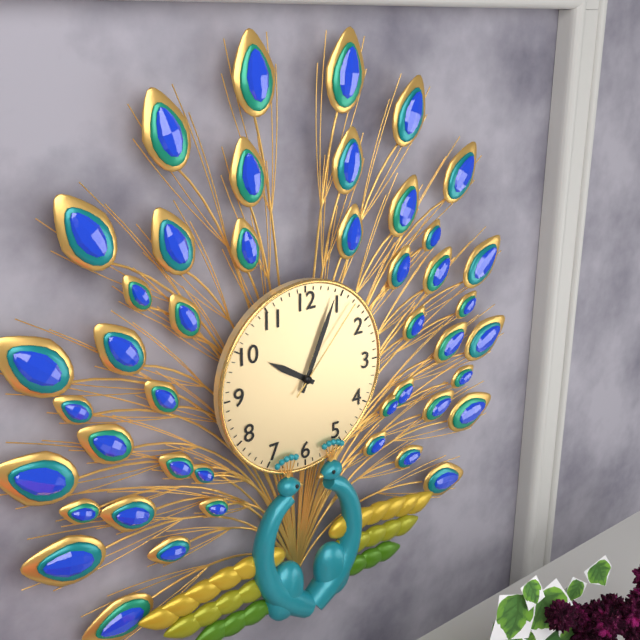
10,04,07
